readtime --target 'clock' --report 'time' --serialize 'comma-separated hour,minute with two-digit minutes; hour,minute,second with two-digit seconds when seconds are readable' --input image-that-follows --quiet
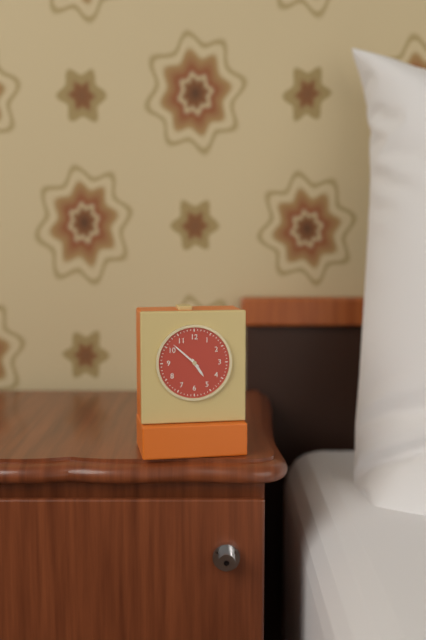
4,52
